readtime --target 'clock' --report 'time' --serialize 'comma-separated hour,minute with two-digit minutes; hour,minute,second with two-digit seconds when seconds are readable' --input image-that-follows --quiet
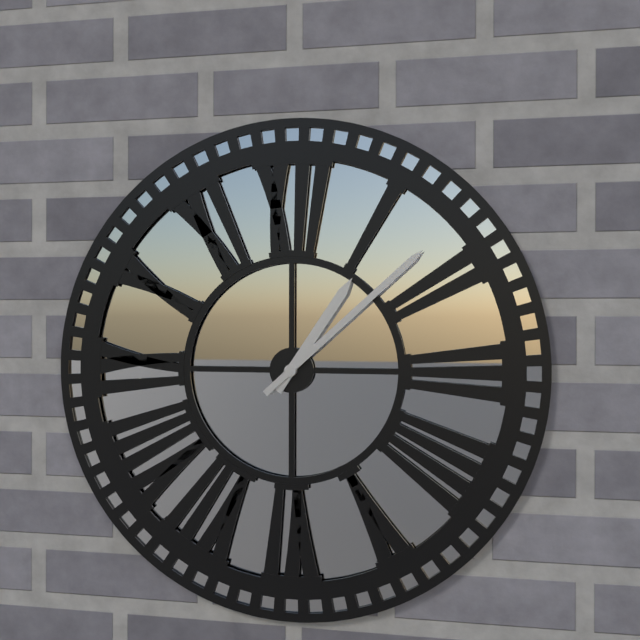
1,08
